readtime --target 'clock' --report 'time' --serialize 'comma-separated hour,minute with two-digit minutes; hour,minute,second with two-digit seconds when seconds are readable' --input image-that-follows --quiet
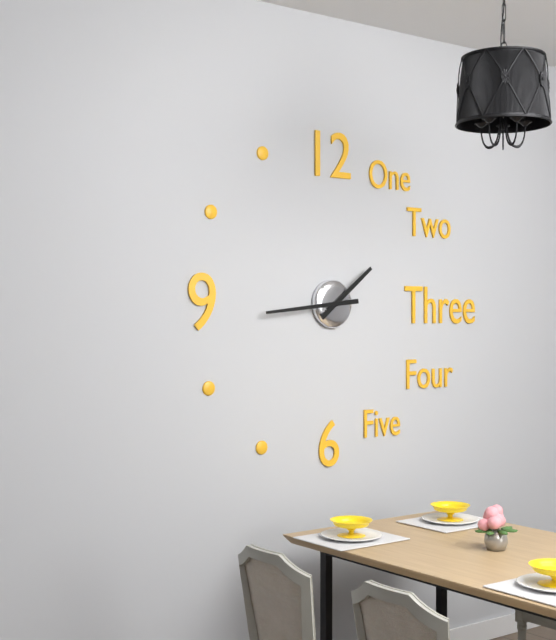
1,44
